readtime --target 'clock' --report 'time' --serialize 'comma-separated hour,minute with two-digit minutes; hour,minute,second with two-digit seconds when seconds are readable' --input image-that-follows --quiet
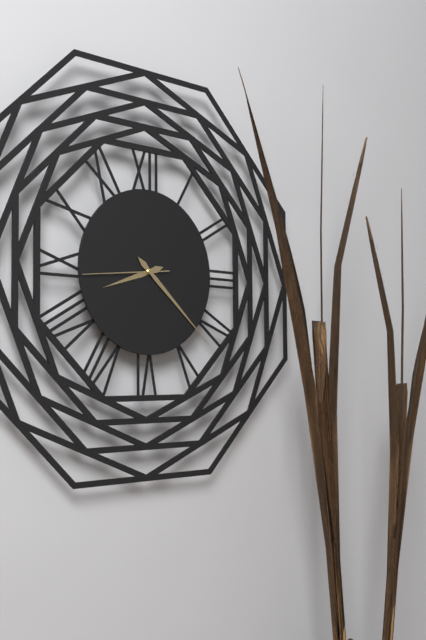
8,22,44
